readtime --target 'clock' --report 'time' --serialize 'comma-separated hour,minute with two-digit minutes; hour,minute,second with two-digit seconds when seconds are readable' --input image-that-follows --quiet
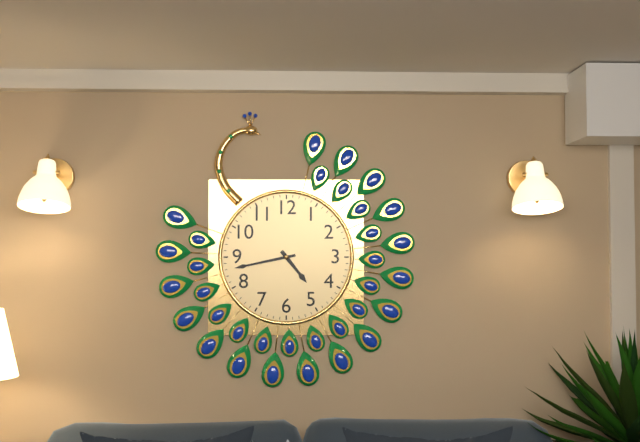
4,43
